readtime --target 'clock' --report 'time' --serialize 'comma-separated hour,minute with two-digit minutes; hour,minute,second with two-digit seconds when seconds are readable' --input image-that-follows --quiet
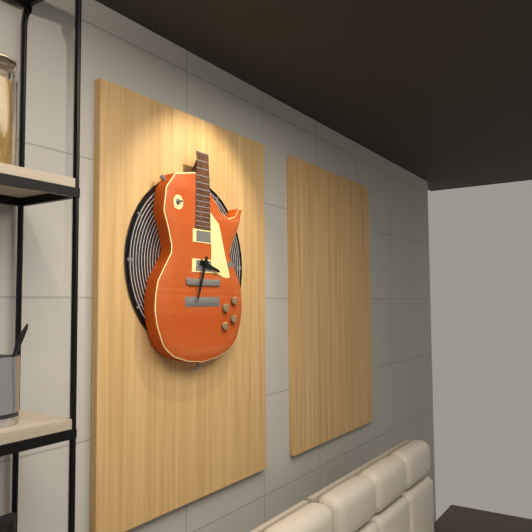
3,33
